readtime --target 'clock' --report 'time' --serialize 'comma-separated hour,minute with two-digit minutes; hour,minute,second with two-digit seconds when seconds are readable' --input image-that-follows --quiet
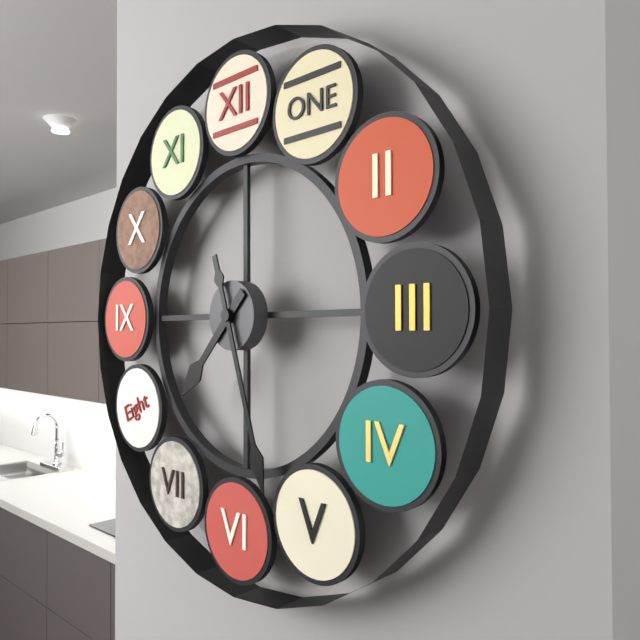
7,27
